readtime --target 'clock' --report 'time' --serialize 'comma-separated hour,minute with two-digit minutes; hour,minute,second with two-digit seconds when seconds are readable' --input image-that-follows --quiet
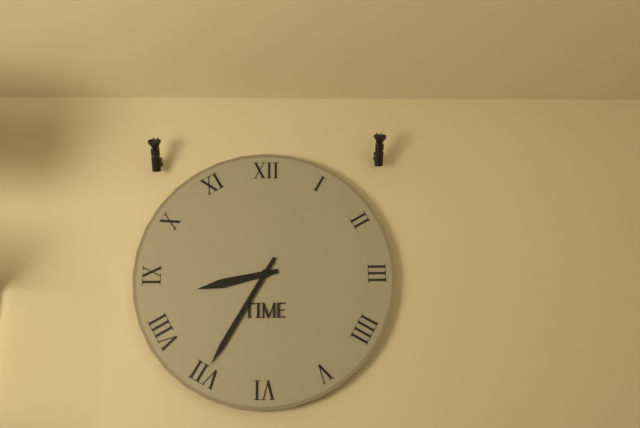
8,35
